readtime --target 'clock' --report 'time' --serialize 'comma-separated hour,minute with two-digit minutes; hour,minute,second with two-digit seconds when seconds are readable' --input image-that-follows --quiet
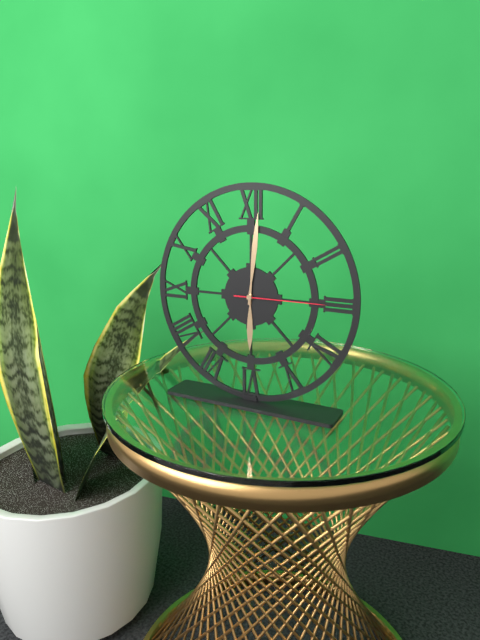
6,01,15
